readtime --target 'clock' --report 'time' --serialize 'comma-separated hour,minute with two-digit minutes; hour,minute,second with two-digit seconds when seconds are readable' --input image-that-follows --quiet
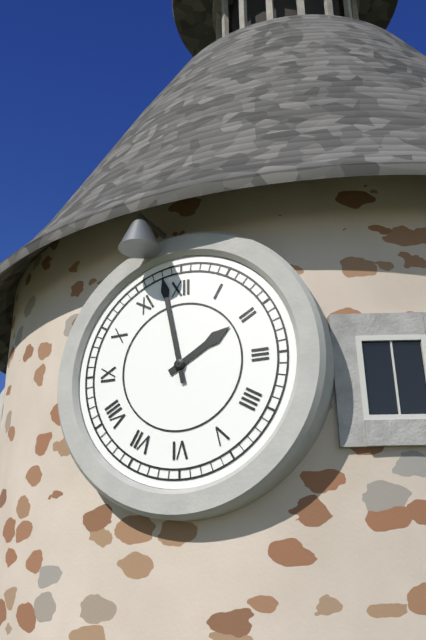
1,58
